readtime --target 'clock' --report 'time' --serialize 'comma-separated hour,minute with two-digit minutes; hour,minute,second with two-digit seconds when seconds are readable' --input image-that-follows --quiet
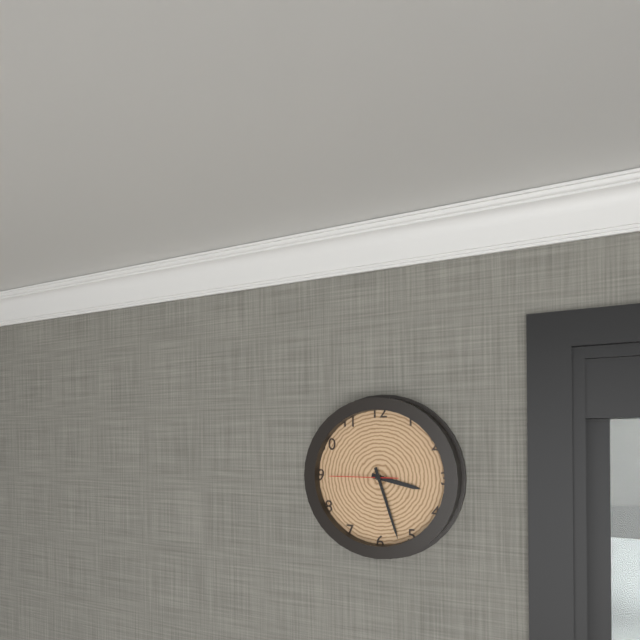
3,27,45
